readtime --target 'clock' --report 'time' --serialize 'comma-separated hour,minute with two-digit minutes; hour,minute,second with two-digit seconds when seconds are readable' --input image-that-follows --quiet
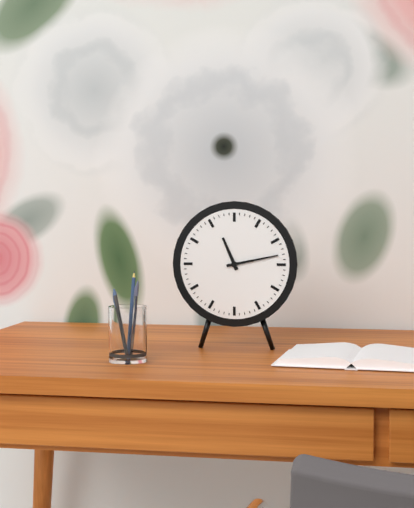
11,13
